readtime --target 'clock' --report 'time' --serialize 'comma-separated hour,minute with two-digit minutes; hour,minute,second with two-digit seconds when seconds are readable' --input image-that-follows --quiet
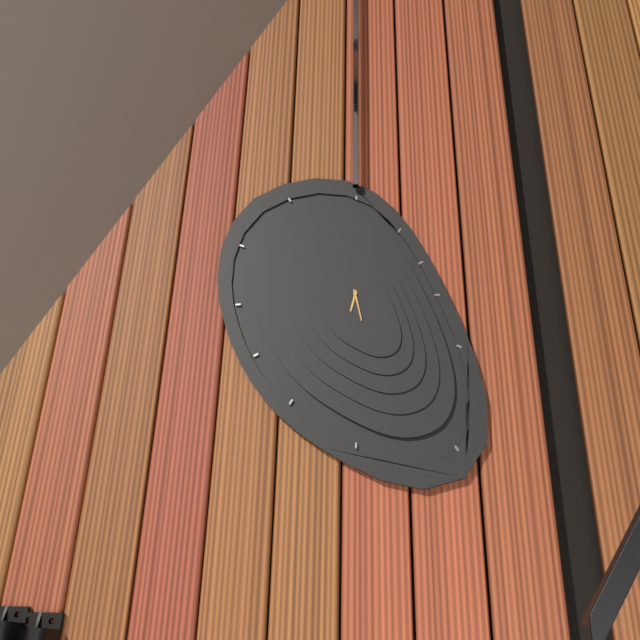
6,28
